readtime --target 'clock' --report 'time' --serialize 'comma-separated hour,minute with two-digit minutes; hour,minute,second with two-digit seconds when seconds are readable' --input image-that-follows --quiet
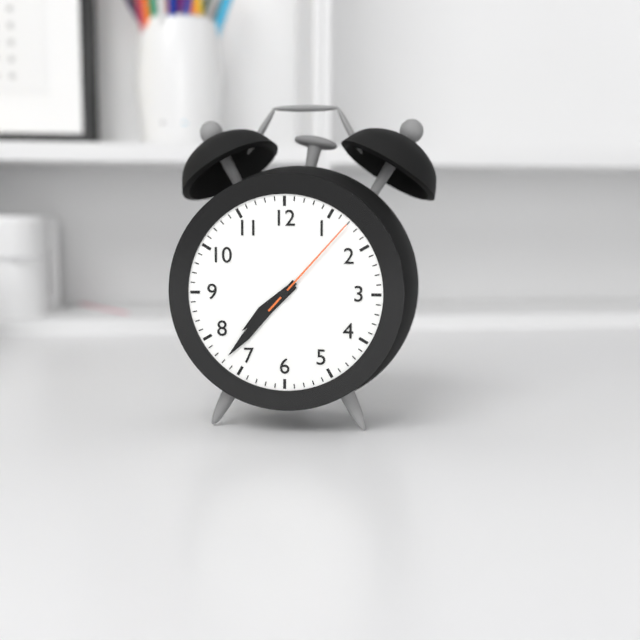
7,37,07
